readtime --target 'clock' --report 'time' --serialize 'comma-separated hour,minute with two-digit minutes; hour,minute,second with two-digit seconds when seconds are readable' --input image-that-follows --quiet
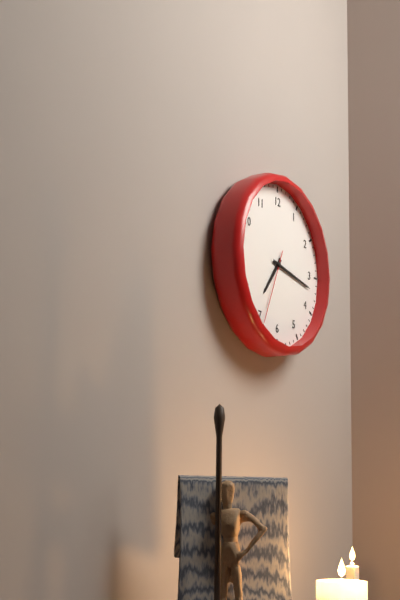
7,17,34
